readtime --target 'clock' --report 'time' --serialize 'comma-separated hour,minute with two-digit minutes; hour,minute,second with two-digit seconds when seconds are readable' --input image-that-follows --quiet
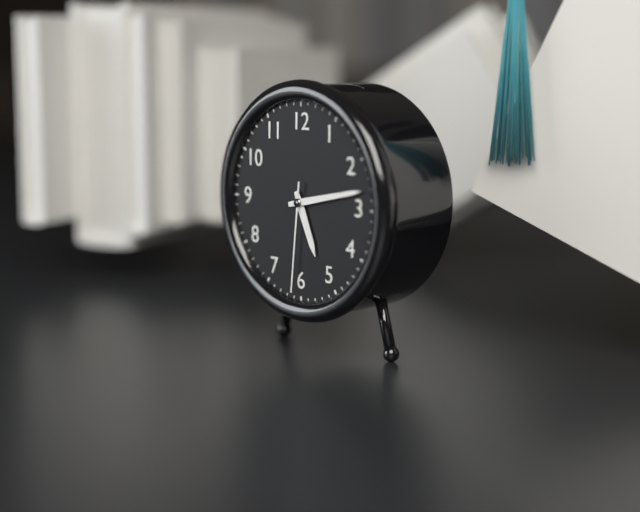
5,13,31
